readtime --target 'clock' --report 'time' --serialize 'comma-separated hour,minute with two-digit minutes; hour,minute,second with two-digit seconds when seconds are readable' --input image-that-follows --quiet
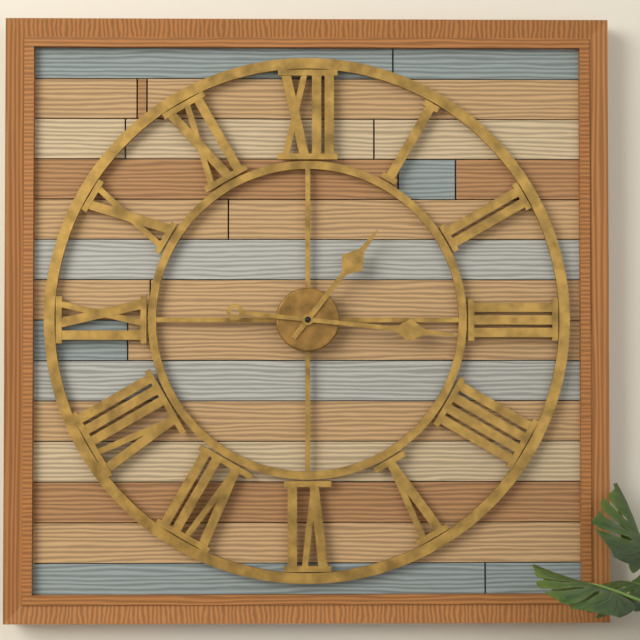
1,16
